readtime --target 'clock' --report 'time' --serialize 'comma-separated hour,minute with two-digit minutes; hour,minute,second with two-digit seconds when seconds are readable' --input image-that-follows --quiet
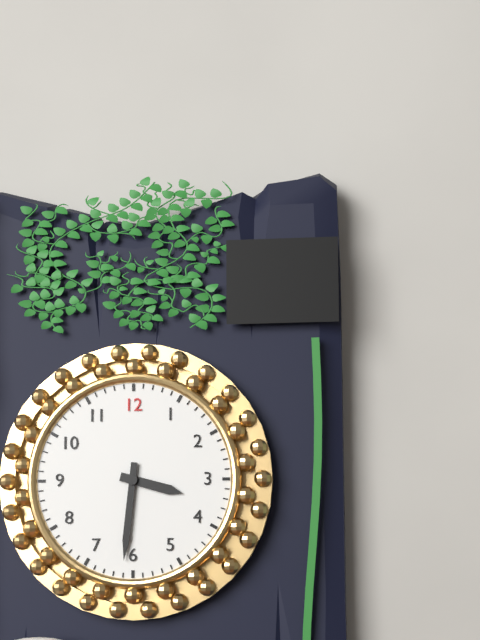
3,31
